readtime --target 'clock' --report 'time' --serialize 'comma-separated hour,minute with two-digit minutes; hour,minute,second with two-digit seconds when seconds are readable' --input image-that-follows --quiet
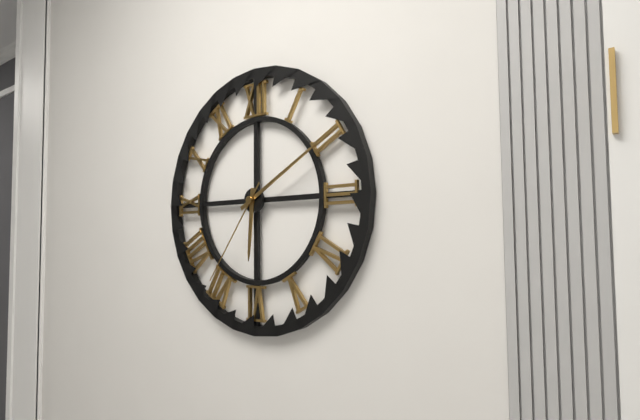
6,10,36
